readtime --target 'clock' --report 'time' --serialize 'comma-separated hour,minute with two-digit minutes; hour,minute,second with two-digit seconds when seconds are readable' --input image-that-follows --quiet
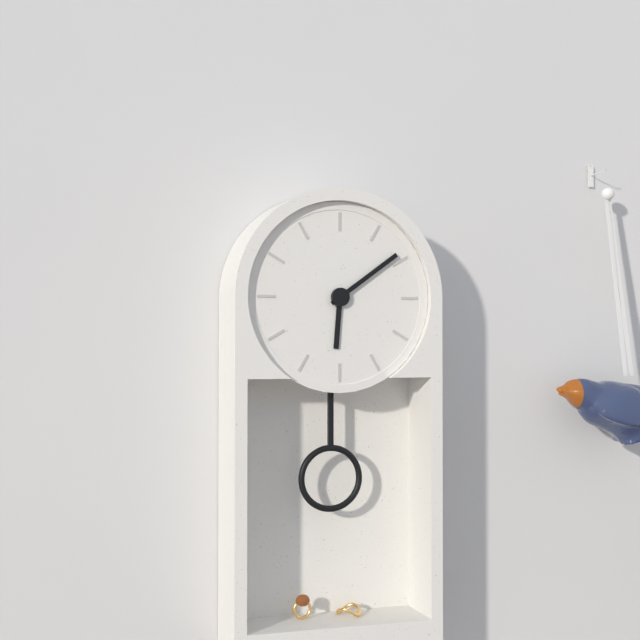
6,09
